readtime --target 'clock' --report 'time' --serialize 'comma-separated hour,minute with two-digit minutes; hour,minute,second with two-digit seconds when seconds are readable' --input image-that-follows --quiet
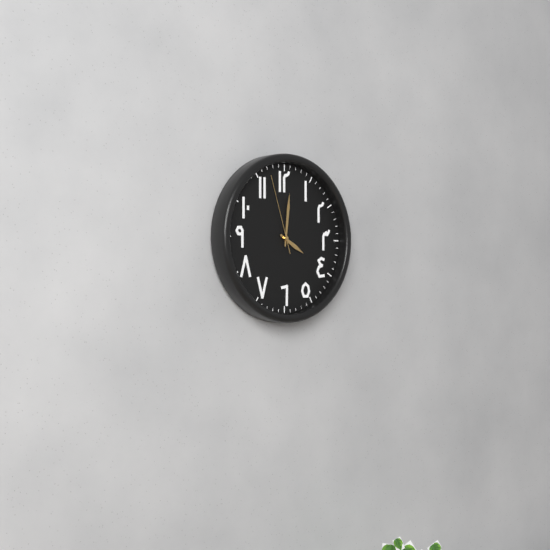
4,01,57
